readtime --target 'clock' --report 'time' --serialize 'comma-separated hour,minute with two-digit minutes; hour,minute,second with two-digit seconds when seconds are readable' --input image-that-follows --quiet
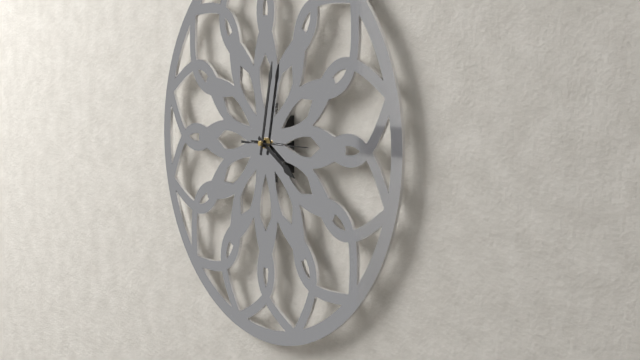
4,02,15
